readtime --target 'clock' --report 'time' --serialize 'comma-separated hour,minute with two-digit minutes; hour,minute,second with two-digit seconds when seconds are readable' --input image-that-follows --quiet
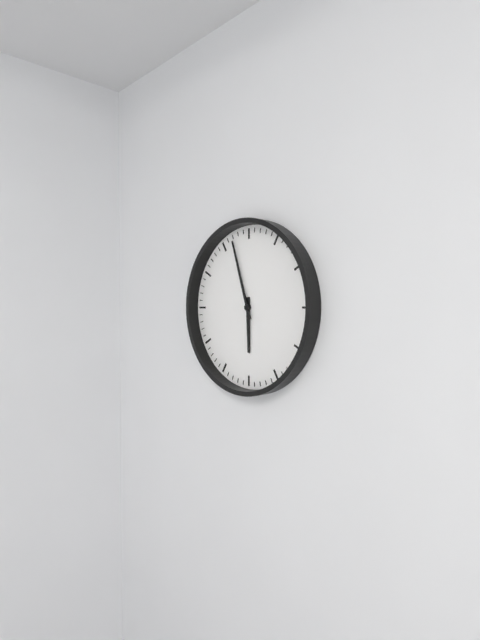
5,57
